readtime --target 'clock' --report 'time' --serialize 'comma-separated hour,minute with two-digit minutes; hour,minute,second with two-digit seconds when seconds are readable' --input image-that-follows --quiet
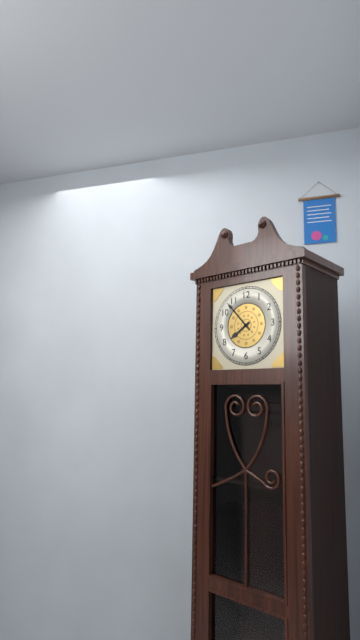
7,53
